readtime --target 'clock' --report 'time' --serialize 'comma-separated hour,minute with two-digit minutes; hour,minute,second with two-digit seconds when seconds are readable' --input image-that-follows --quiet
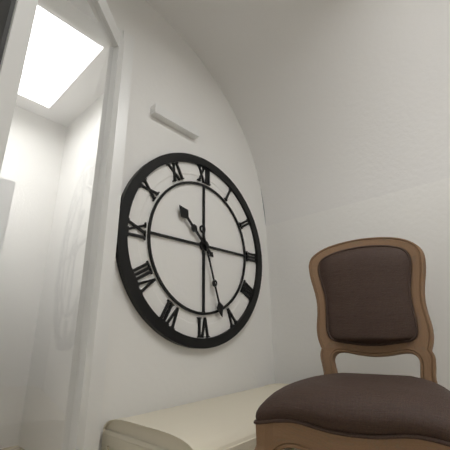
10,27
